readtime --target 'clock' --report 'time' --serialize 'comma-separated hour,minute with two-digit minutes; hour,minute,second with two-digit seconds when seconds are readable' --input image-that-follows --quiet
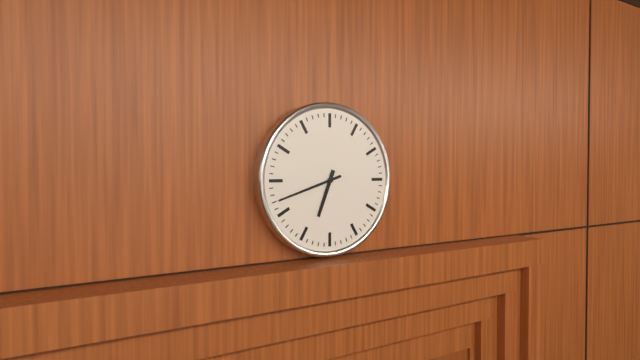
6,42
